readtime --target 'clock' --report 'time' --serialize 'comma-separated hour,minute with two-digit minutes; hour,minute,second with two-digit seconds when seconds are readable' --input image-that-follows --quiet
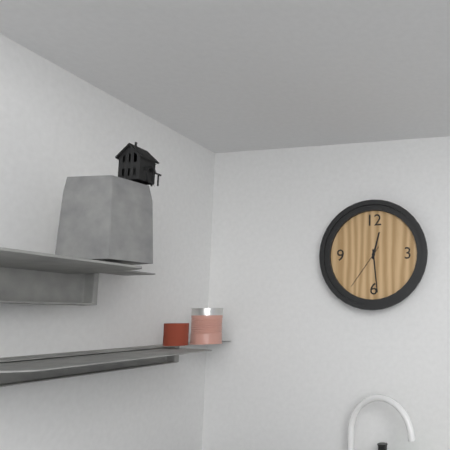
12,29
